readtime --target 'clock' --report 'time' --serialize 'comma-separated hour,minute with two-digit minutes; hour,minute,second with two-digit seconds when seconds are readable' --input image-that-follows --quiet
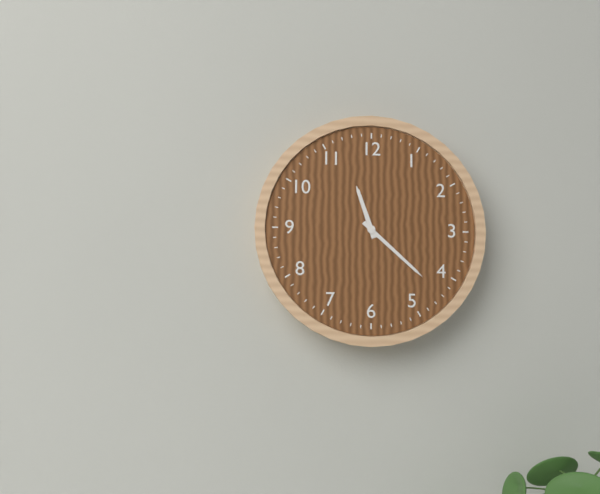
11,22
